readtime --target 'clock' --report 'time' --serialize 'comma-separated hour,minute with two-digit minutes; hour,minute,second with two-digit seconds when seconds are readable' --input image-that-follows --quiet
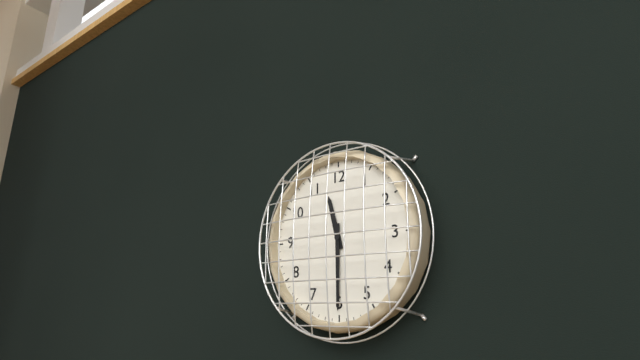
11,30
